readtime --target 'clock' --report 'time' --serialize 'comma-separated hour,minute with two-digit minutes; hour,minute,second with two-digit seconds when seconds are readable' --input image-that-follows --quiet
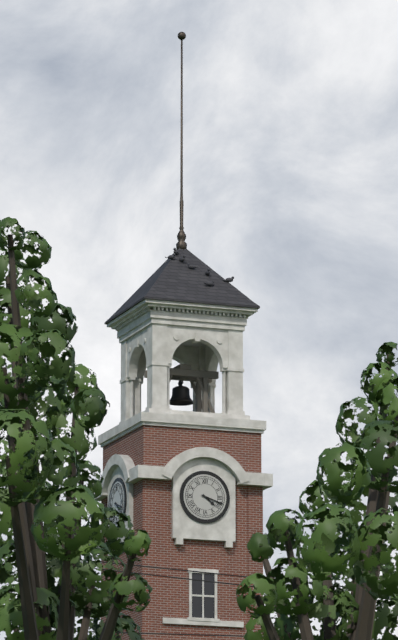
4,18
